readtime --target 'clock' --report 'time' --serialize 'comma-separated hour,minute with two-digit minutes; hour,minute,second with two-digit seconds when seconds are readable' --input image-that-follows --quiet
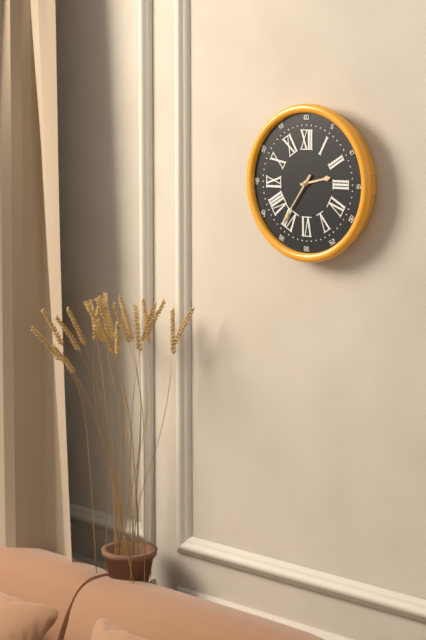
2,36
